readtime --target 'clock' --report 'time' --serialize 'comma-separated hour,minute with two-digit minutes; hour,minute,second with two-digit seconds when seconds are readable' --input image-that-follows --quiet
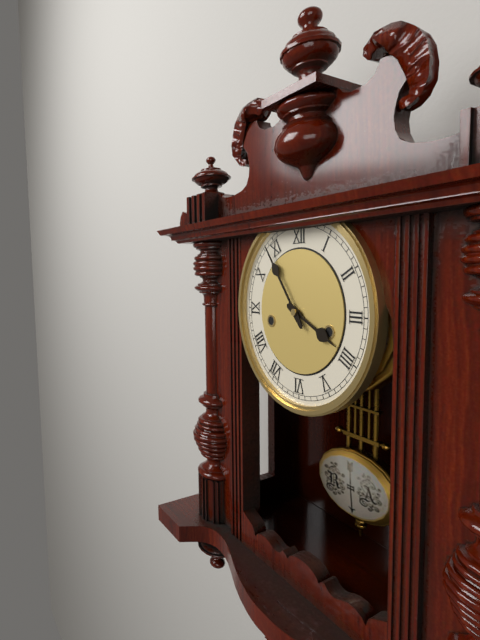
3,54
